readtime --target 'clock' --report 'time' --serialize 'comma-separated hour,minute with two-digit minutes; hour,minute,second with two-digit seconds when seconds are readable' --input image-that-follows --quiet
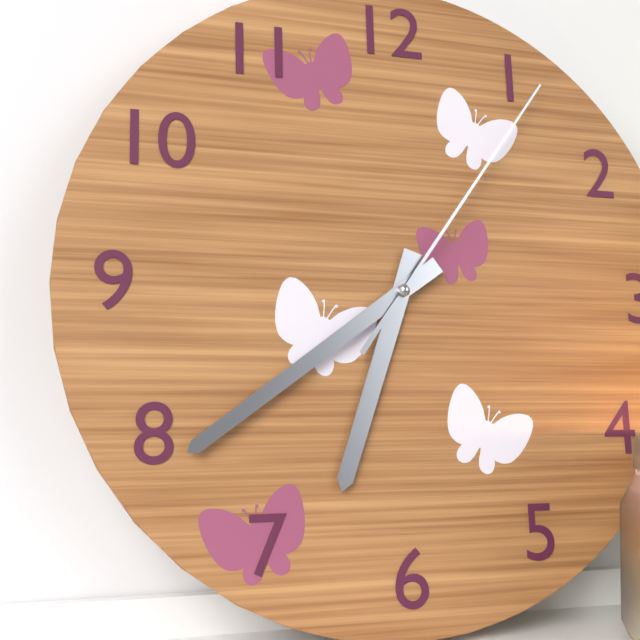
6,39,06
